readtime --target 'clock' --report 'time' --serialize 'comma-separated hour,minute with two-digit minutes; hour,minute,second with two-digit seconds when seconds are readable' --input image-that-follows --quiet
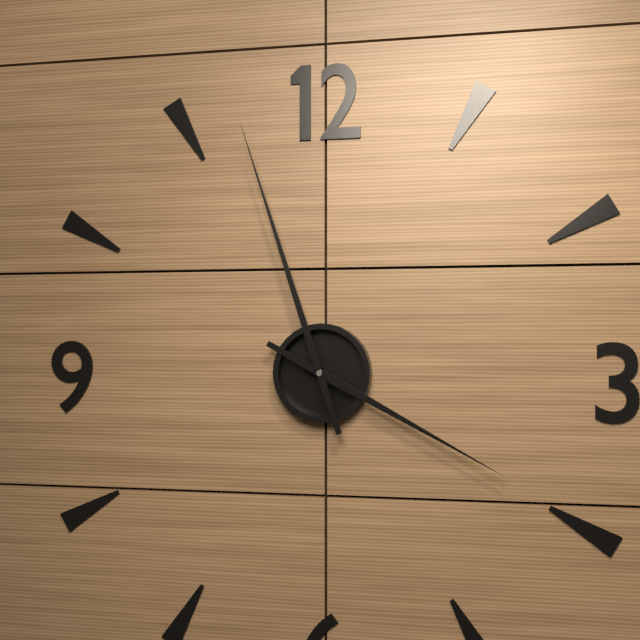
3,57
